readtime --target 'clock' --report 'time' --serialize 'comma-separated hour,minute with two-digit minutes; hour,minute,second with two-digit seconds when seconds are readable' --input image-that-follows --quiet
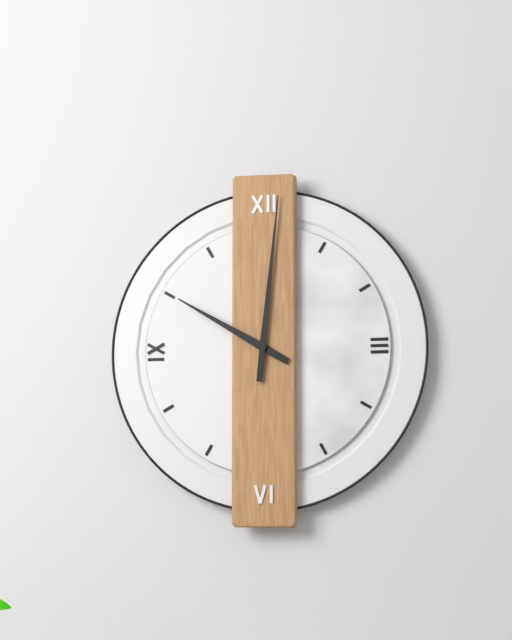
10,01
